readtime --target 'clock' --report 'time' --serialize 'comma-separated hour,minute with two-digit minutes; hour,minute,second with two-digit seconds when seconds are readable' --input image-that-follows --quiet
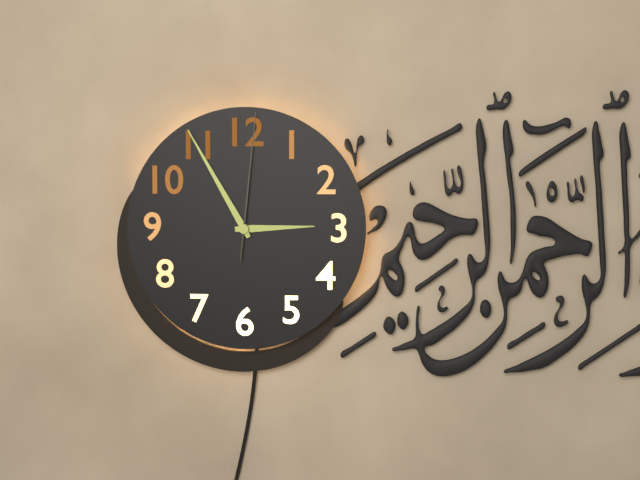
2,55,01
